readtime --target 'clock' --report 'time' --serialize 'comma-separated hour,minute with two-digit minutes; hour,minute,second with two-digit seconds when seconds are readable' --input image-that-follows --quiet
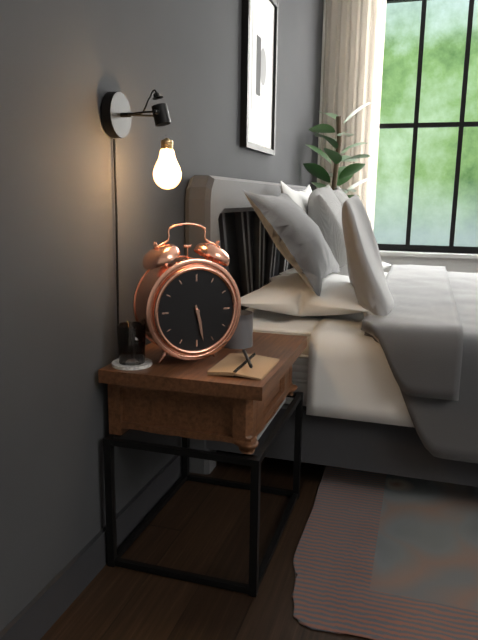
5,28
